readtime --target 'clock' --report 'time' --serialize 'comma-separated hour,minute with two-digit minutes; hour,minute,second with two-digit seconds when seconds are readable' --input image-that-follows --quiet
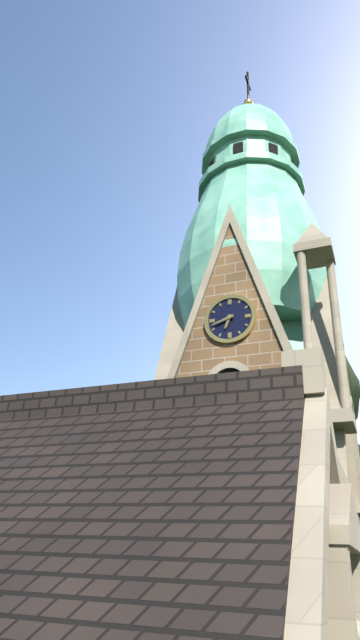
6,42
